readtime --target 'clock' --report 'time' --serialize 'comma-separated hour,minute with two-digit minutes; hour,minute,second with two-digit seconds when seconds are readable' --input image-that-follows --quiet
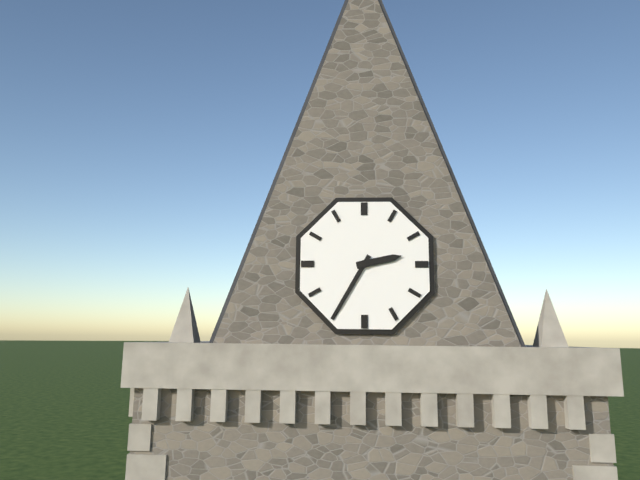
2,35
